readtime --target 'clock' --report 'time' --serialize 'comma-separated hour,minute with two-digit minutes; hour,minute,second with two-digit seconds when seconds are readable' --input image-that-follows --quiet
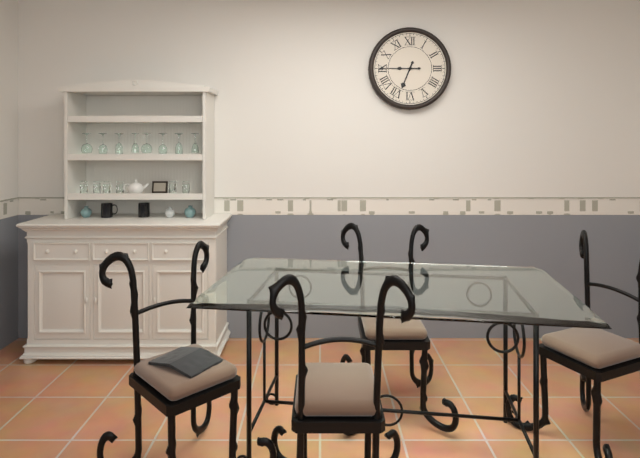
6,45
